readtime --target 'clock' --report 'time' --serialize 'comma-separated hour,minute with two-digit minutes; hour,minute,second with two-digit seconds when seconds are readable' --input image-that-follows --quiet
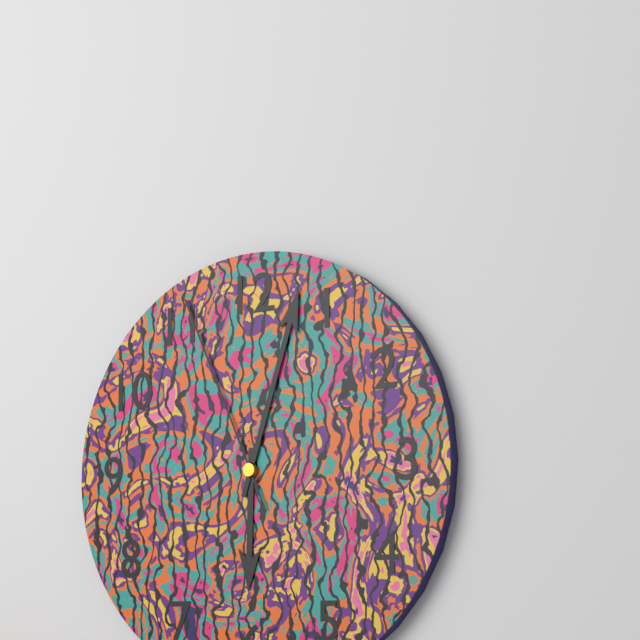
6,03,56
